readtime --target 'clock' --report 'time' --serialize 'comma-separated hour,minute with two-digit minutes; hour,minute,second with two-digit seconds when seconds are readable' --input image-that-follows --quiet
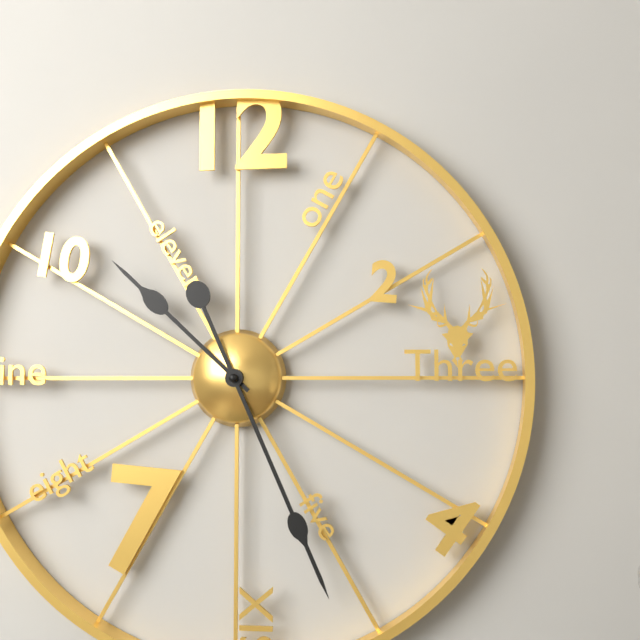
10,26
